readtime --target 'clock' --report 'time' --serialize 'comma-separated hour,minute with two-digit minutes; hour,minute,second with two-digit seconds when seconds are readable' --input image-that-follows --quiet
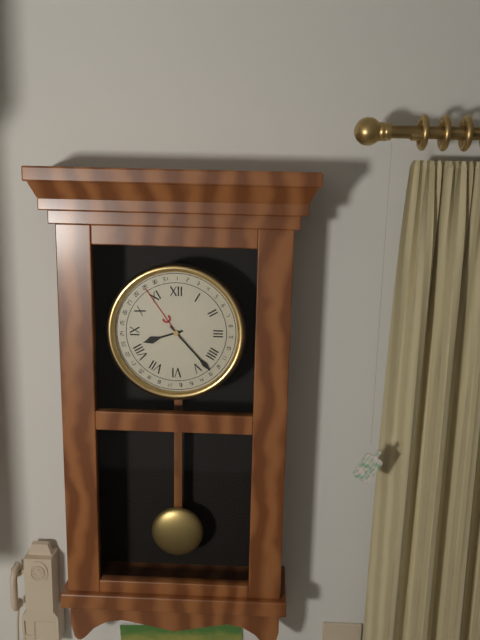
8,23
